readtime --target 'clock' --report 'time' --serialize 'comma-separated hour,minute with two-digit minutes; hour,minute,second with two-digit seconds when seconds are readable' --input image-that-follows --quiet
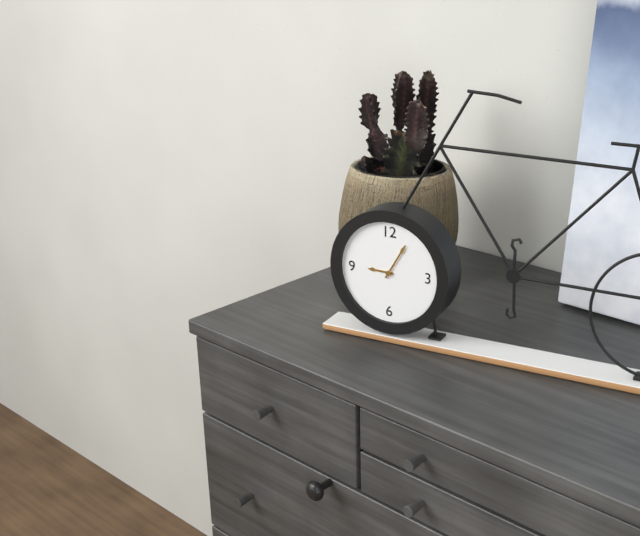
9,05
